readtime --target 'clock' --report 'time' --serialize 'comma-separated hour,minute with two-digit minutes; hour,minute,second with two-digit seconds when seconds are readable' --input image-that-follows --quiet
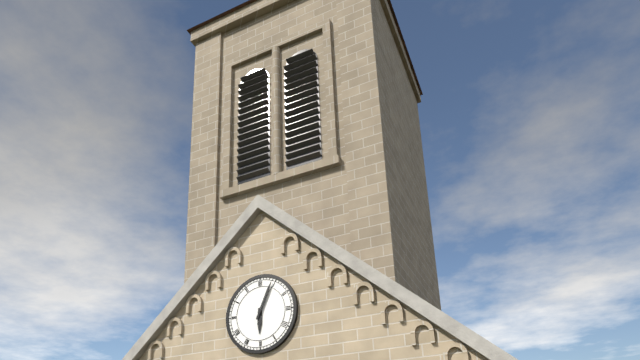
6,04
